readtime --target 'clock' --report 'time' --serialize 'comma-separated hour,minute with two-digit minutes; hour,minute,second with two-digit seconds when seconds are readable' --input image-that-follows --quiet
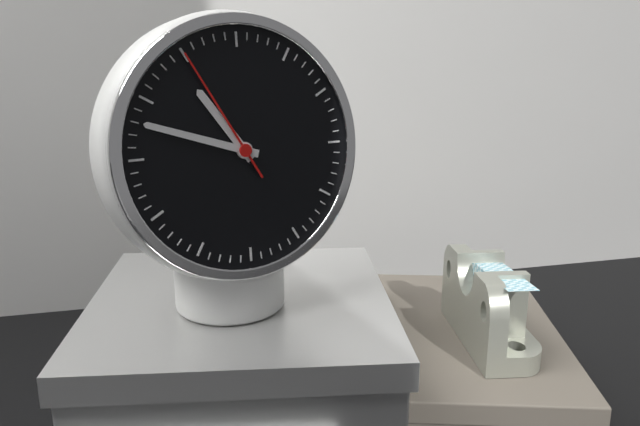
10,48,55
